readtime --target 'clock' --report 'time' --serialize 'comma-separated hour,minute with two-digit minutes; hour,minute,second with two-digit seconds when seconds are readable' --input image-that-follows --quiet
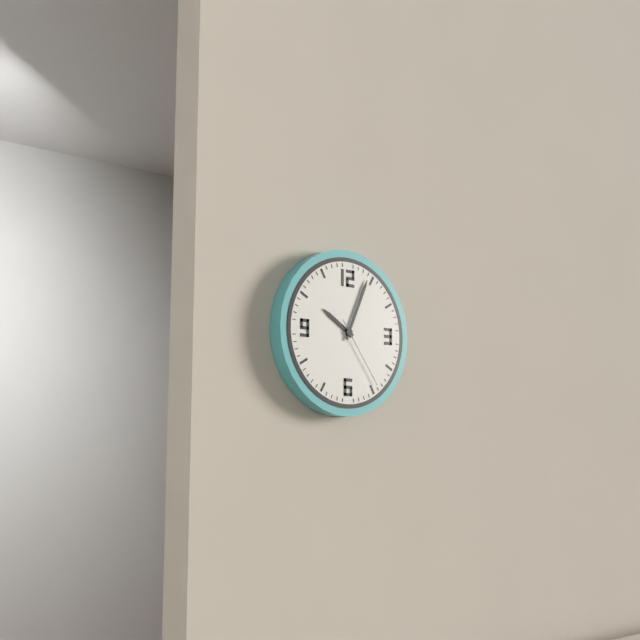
10,04,24
